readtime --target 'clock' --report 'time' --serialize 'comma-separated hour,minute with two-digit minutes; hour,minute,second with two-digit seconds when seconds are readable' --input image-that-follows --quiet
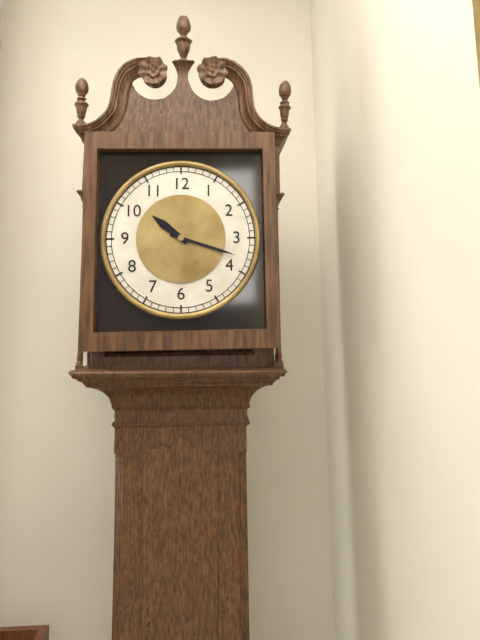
10,18
